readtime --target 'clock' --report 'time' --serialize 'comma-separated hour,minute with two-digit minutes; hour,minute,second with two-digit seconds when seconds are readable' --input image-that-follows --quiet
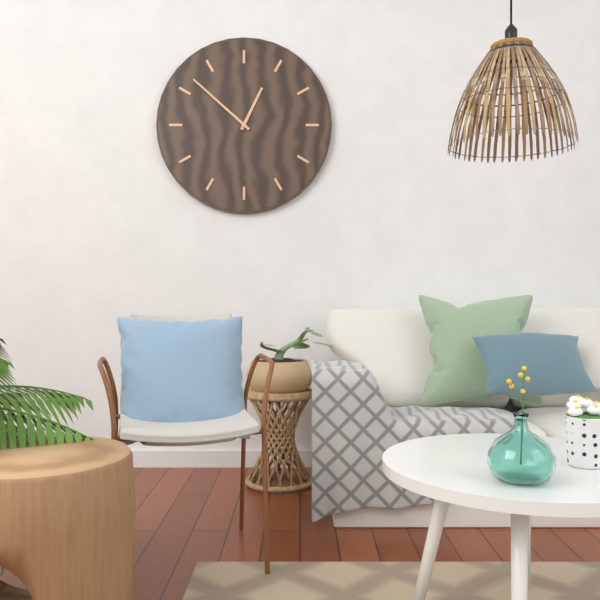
12,52
